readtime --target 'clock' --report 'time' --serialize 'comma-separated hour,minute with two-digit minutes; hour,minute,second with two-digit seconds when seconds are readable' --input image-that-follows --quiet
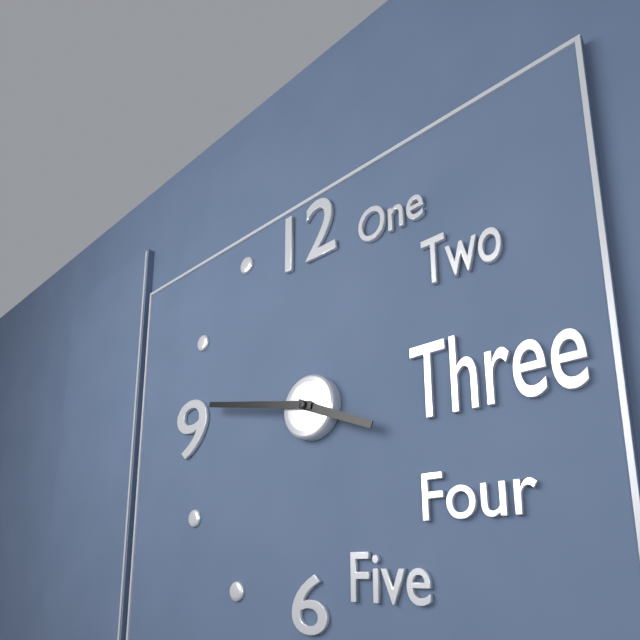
3,47
